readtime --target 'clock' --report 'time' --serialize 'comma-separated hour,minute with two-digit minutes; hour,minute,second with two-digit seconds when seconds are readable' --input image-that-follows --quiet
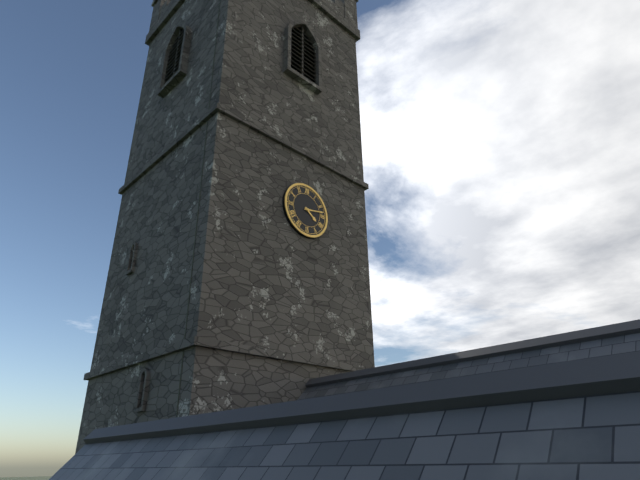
4,13
